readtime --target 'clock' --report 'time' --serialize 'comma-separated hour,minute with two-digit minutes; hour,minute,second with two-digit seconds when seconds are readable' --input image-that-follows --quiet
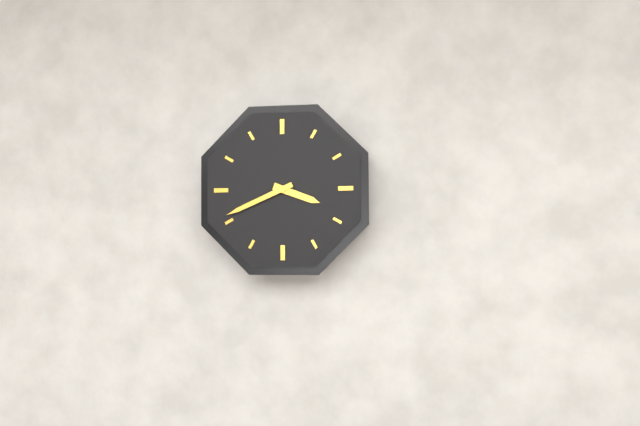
3,41
